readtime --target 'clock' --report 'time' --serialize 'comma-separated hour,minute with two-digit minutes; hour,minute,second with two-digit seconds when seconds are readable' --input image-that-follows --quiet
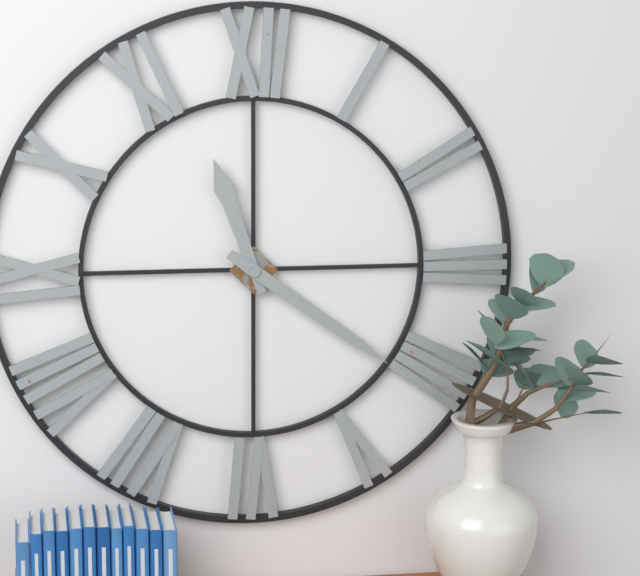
11,21
